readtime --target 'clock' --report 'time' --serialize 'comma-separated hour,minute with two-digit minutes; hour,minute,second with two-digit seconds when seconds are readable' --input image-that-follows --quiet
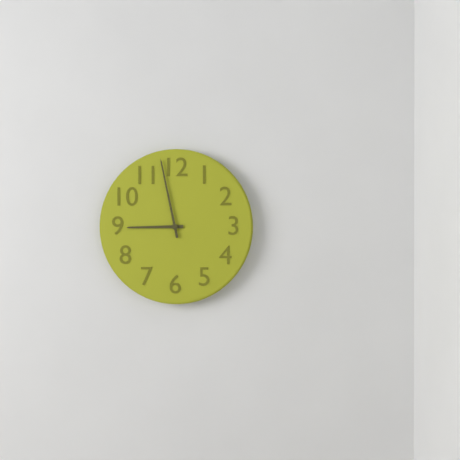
8,58
